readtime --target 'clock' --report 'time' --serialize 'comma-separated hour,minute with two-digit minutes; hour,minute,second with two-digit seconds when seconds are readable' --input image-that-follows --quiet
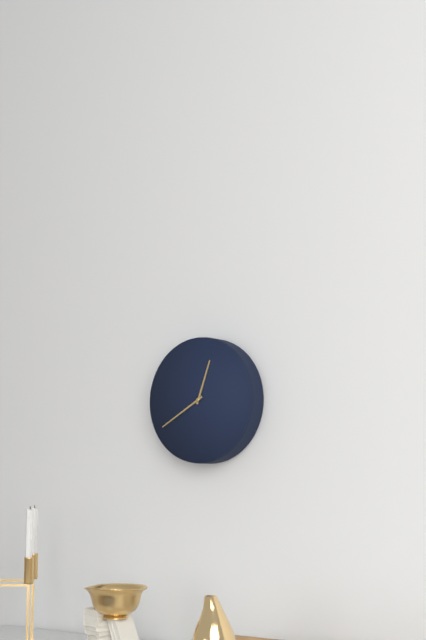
12,40
